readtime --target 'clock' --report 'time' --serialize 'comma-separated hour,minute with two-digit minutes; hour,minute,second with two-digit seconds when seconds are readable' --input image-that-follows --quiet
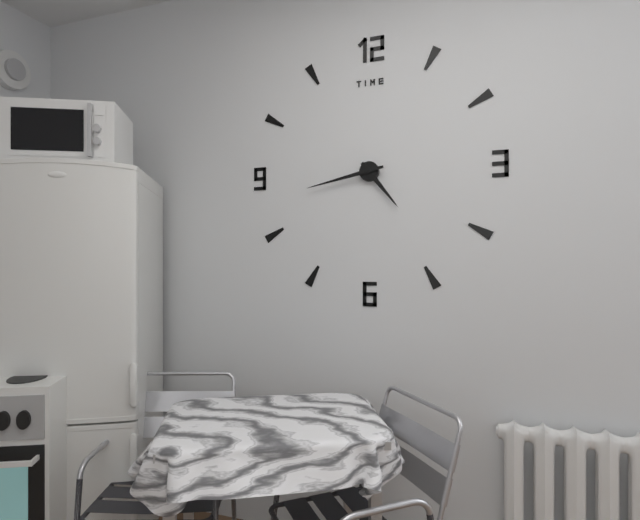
4,43
